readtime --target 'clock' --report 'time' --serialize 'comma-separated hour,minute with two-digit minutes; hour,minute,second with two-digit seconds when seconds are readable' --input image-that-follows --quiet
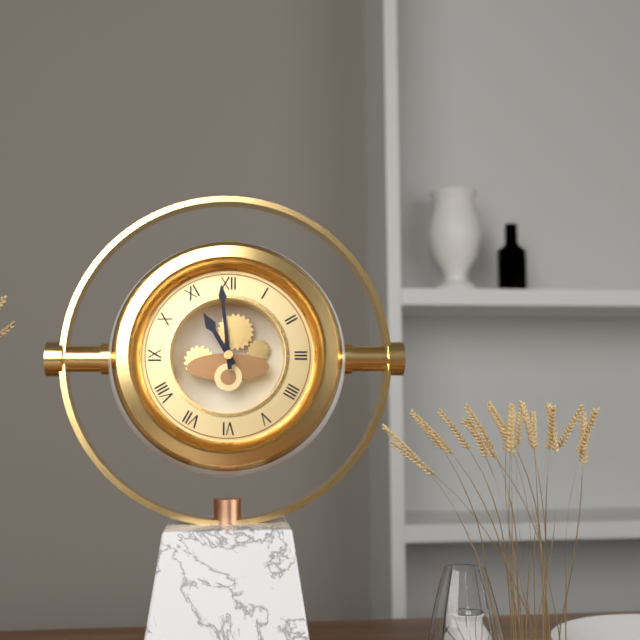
10,59
